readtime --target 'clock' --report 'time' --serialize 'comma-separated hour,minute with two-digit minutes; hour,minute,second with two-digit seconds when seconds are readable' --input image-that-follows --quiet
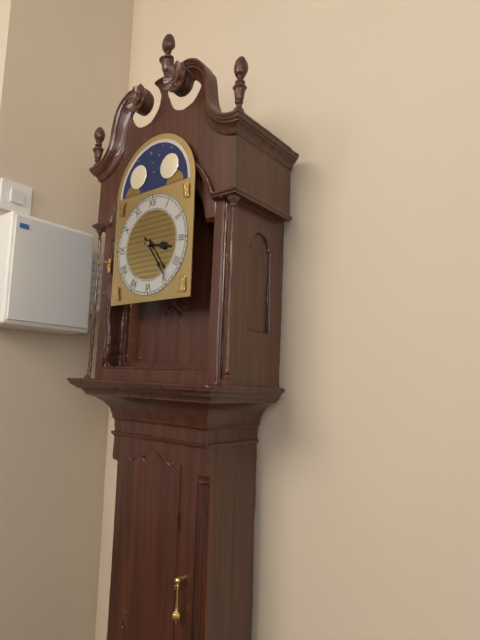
3,24
